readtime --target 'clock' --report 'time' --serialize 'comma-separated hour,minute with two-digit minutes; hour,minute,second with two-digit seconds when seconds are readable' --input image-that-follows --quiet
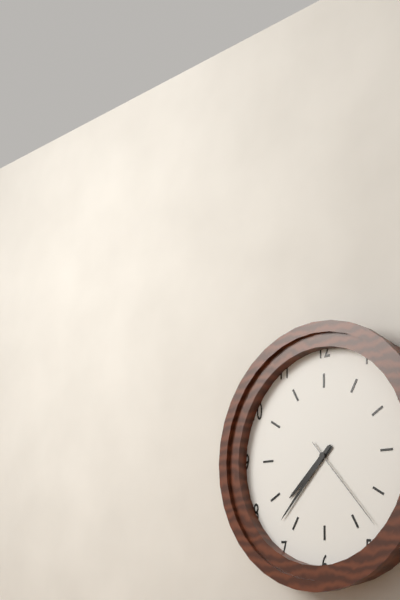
7,37,23
